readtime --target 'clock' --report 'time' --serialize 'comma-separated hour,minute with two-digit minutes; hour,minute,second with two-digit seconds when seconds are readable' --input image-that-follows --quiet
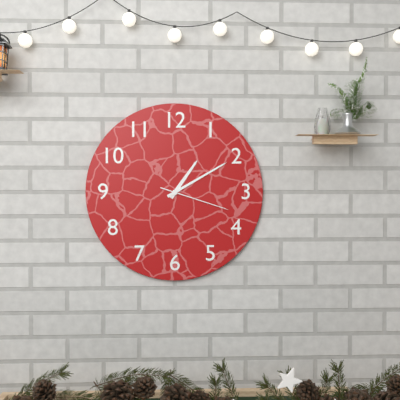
1,10,18
